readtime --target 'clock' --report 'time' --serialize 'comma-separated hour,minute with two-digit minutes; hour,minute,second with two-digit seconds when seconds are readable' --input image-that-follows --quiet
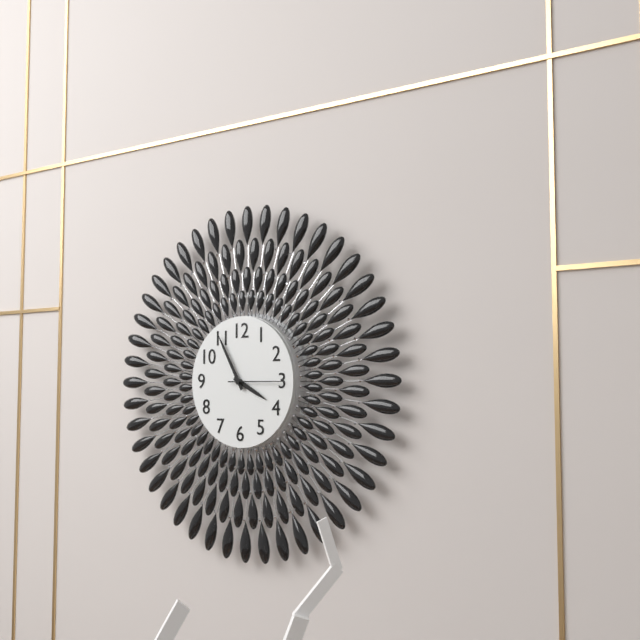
3,55,15
